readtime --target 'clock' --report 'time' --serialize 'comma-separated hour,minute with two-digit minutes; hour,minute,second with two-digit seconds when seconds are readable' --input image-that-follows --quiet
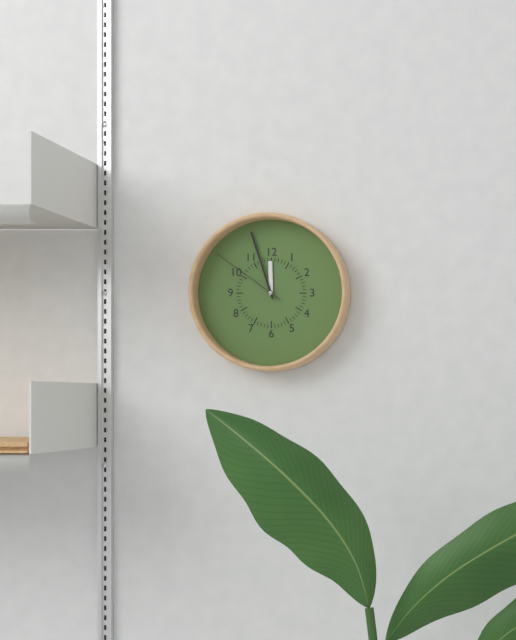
11,57,51
